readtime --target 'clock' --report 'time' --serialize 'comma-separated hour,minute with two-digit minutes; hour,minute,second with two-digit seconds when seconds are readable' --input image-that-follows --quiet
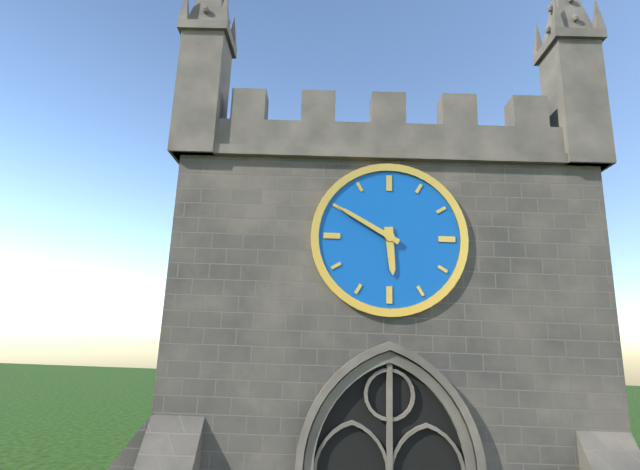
5,50
